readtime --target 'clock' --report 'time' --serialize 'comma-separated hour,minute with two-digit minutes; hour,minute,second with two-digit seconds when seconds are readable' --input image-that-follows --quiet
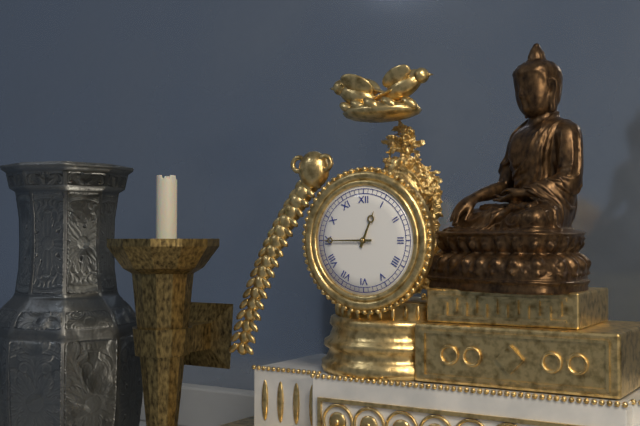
12,45
